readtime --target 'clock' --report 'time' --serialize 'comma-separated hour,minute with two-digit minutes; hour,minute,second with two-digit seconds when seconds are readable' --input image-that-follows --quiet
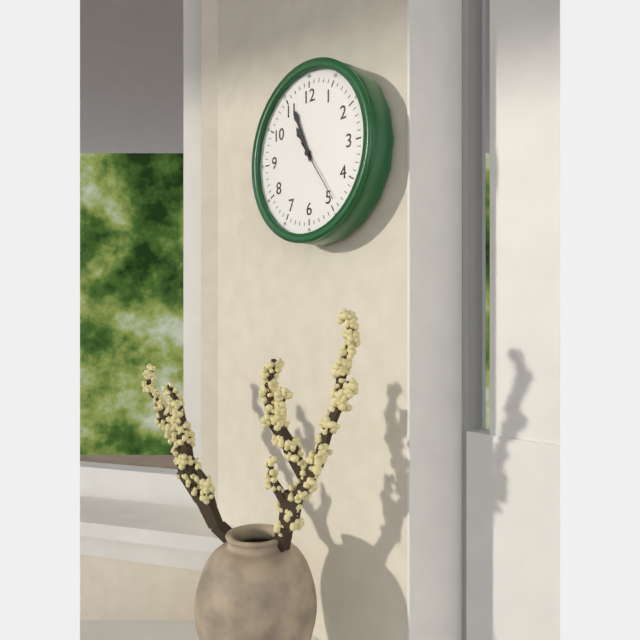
10,56,24
